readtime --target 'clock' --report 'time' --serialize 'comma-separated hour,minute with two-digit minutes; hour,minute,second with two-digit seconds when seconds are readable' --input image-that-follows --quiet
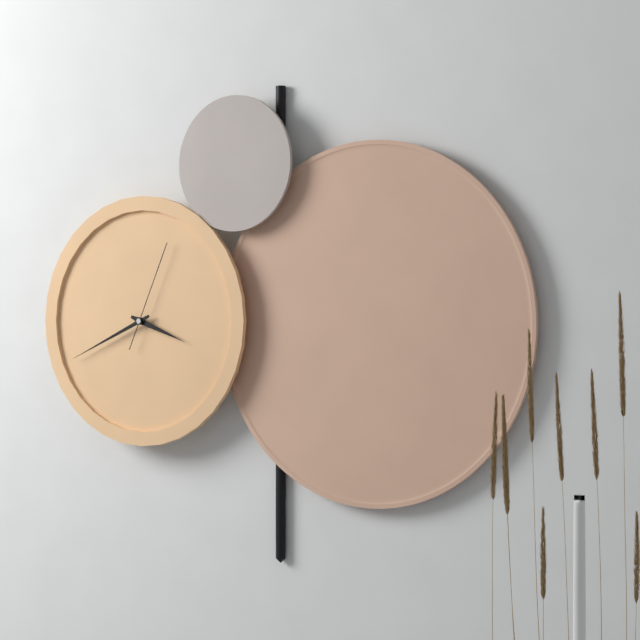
3,41,04
